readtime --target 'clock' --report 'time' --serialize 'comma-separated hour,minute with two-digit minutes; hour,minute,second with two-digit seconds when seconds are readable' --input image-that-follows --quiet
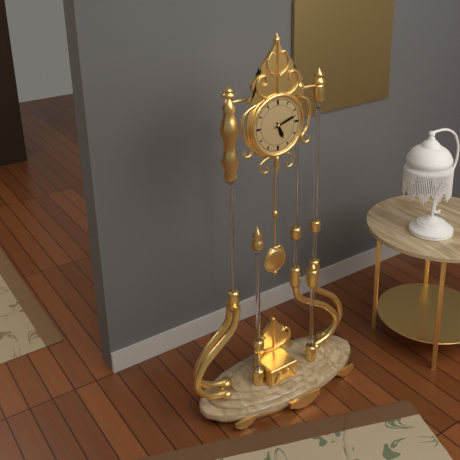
5,12
